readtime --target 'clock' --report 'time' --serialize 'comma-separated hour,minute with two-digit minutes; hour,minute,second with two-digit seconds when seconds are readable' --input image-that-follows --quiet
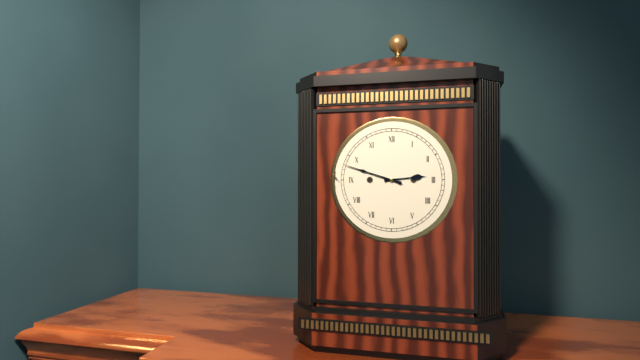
2,48
